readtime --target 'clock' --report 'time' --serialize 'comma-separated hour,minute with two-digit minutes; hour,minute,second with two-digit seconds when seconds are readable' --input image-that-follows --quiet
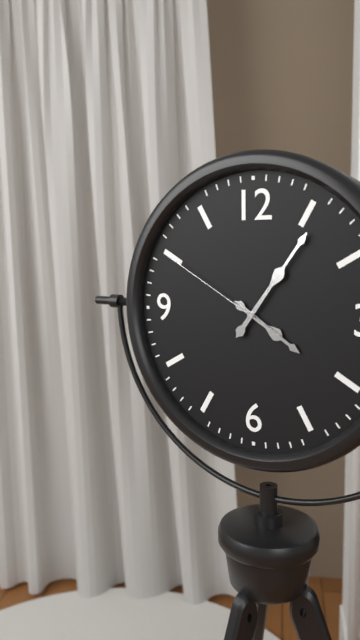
4,06,50
